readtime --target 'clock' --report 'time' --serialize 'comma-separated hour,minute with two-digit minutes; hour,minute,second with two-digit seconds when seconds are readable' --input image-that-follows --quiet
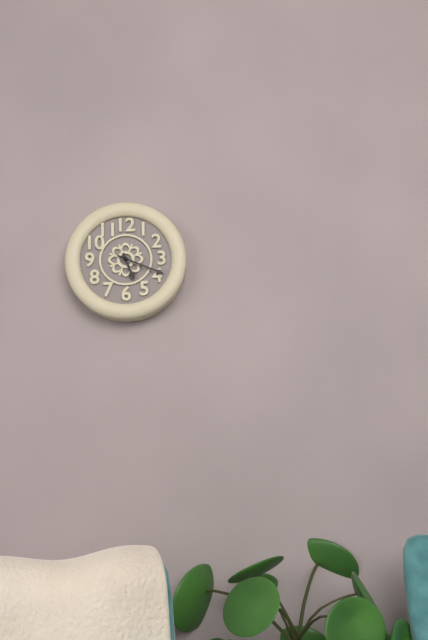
5,19
